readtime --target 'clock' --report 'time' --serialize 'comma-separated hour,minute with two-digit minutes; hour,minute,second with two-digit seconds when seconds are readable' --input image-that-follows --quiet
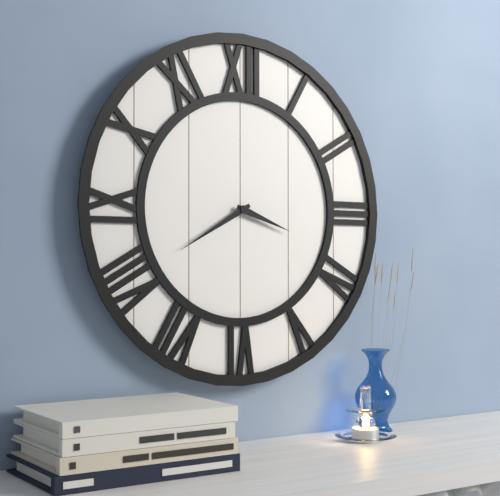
3,40
